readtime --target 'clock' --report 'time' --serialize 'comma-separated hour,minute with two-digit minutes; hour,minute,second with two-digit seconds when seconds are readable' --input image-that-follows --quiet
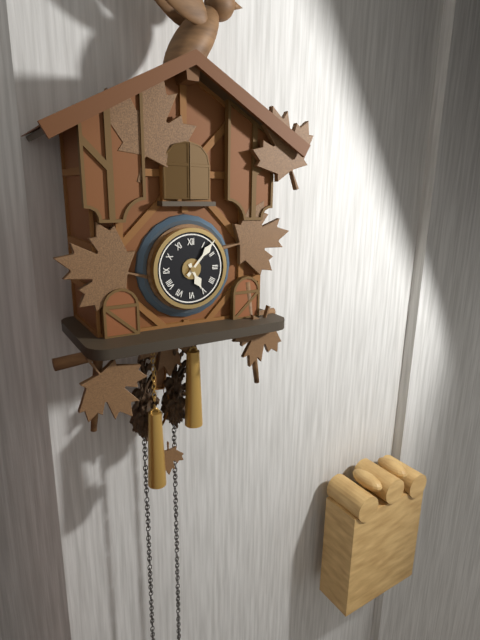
5,07
